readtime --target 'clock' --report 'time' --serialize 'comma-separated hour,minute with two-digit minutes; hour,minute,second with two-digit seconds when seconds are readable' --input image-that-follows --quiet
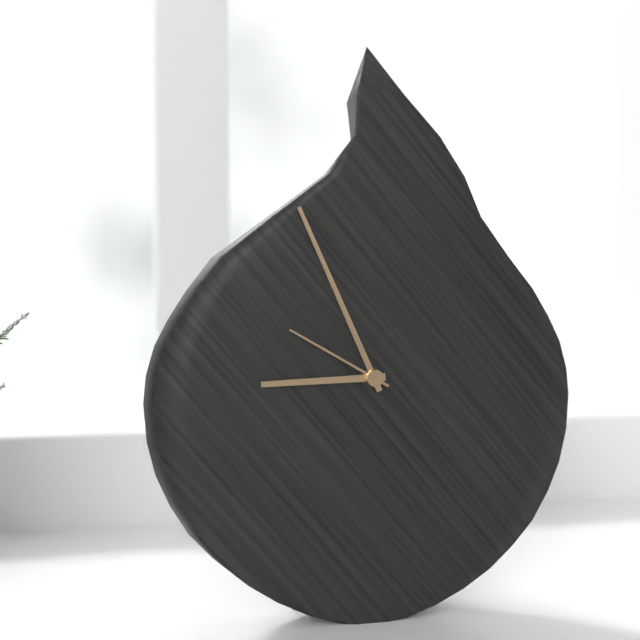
8,56,50
